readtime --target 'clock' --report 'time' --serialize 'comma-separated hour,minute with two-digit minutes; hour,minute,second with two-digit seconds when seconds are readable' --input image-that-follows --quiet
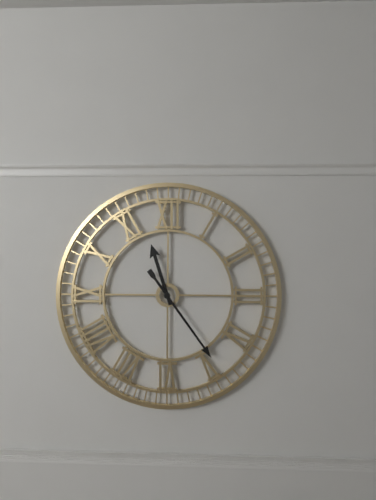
11,24
